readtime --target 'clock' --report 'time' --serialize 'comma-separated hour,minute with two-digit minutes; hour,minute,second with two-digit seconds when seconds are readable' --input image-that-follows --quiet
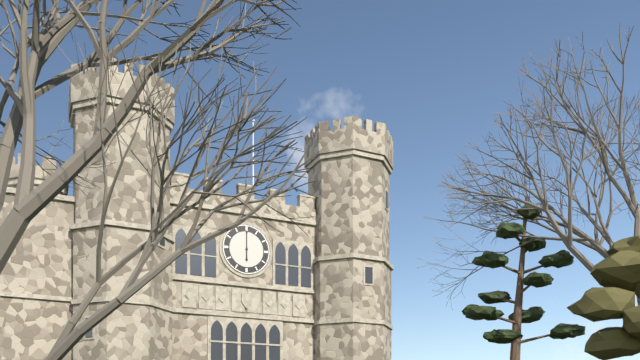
6,00
